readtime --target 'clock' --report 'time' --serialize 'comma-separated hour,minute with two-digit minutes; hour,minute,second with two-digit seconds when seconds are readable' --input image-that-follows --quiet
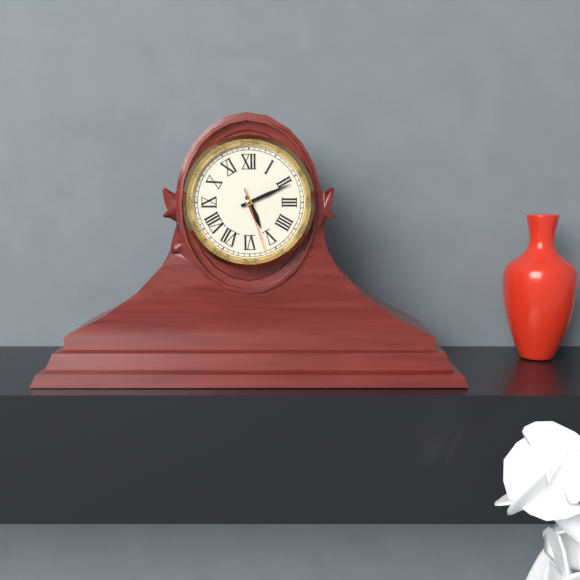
5,11,27
